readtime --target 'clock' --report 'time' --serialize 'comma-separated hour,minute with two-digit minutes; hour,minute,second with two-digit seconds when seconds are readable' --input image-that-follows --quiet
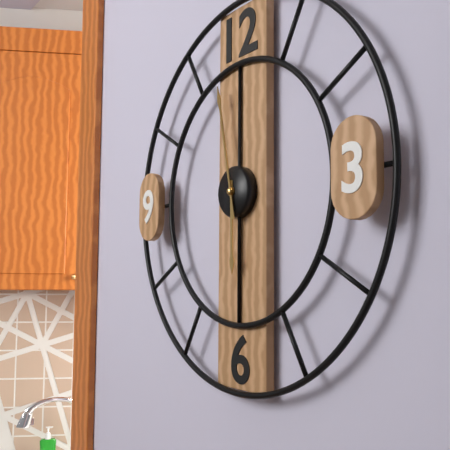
5,58
